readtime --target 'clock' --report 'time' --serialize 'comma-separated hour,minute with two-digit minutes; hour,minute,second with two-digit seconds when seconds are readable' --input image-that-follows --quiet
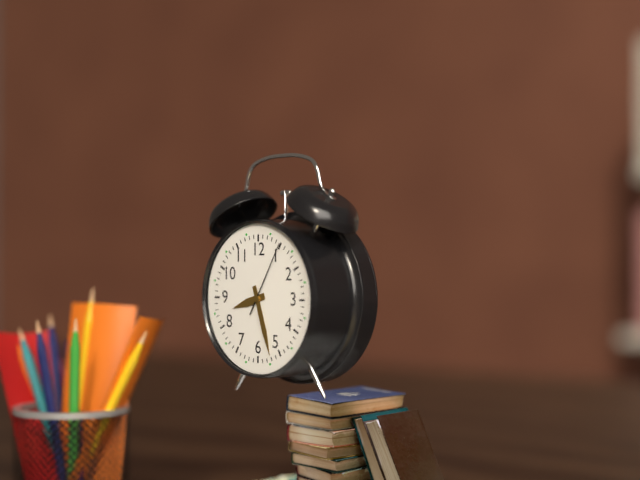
8,27,05
